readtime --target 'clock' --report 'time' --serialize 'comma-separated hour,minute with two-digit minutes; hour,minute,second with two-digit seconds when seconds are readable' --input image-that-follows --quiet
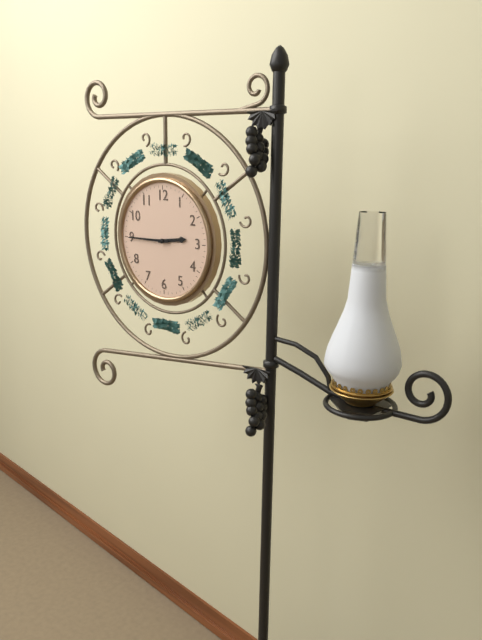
2,45
